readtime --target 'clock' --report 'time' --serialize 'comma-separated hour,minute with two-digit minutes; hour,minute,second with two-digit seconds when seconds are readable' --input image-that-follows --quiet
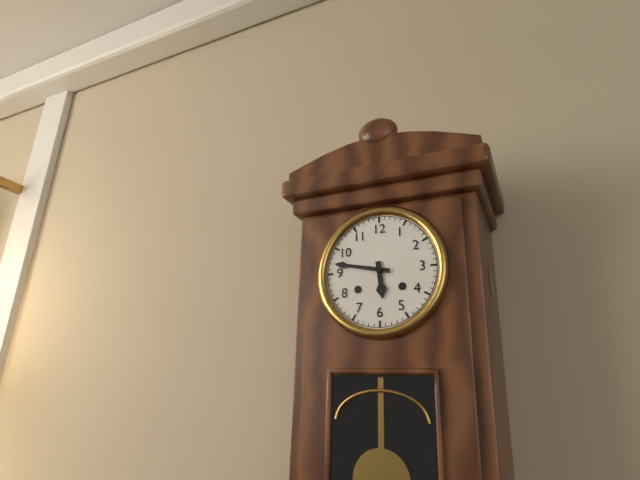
5,47
